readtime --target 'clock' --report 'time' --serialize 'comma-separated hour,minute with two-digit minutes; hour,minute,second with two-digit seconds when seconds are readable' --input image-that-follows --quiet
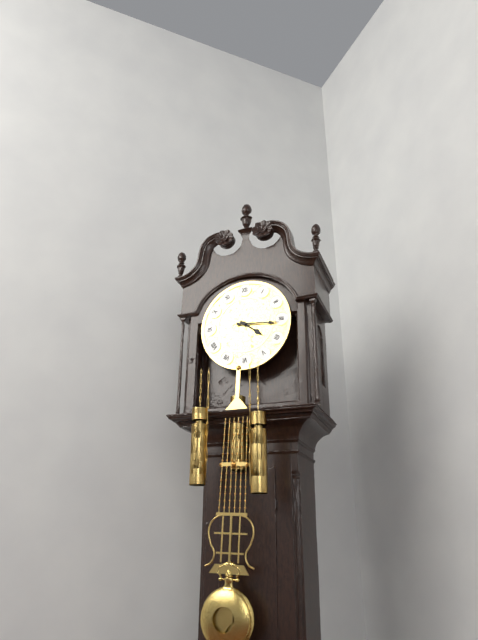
4,16
